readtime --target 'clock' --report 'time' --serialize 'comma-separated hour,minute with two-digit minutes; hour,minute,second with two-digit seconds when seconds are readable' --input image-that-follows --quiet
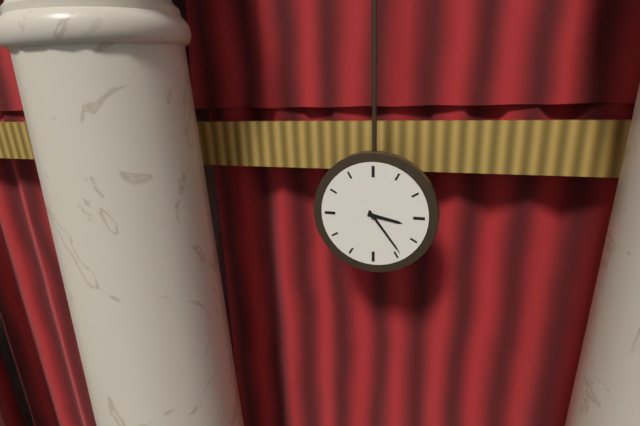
3,24
